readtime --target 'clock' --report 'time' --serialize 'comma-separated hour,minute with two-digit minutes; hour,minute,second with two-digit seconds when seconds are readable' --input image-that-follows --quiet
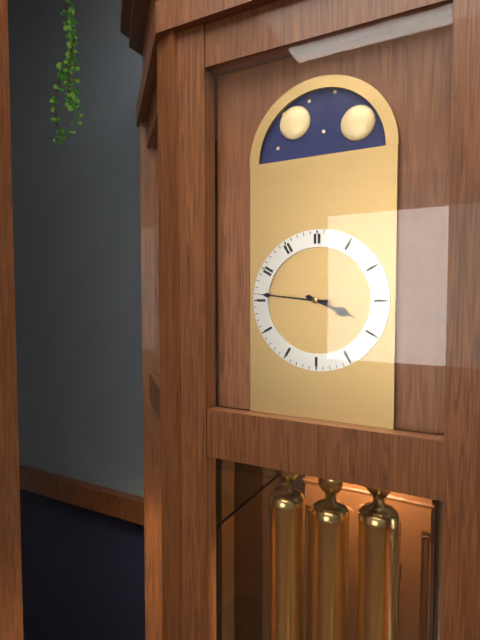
3,46
